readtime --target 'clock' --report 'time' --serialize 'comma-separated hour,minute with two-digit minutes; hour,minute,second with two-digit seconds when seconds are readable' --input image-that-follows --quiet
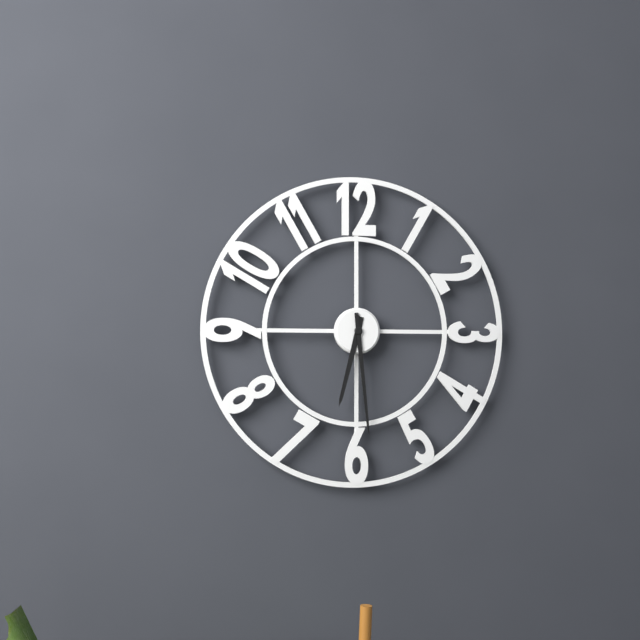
6,29
